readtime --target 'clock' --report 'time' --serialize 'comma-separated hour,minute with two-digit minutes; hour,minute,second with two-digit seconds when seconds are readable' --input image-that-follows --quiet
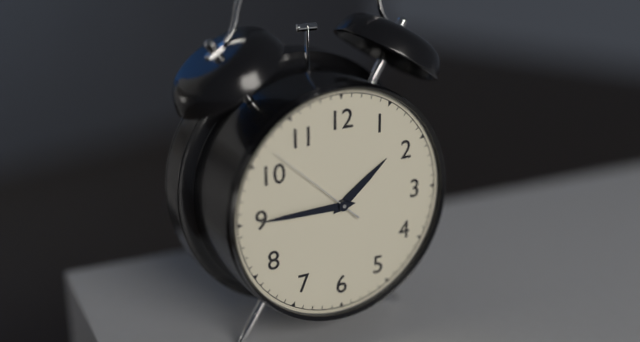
1,45,52
